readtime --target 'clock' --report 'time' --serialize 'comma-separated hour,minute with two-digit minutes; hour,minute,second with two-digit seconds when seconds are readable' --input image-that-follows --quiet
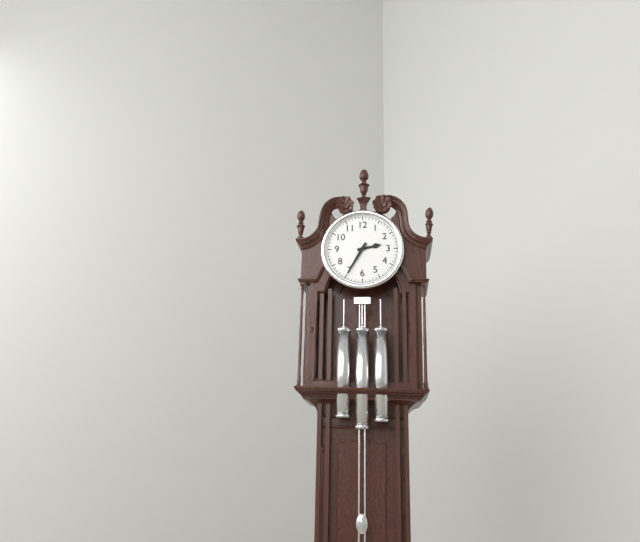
2,35
